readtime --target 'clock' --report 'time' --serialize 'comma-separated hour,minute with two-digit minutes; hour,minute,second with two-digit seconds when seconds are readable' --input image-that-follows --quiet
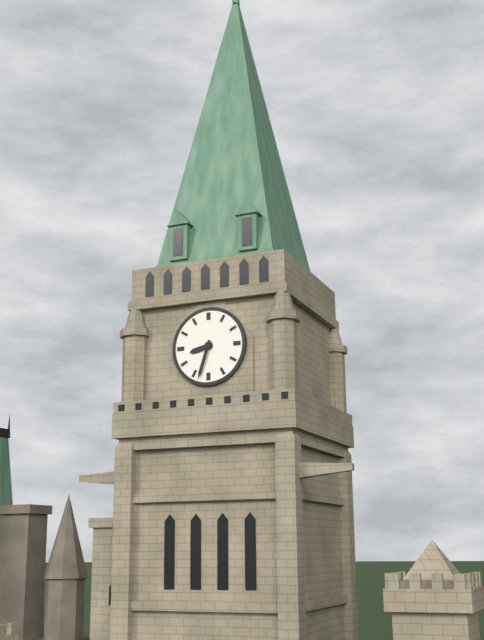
8,33
